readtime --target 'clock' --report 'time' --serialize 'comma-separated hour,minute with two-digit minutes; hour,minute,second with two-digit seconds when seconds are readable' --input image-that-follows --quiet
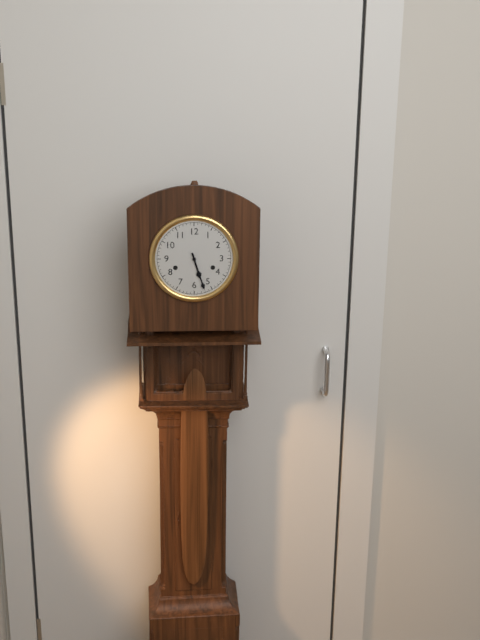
5,27
